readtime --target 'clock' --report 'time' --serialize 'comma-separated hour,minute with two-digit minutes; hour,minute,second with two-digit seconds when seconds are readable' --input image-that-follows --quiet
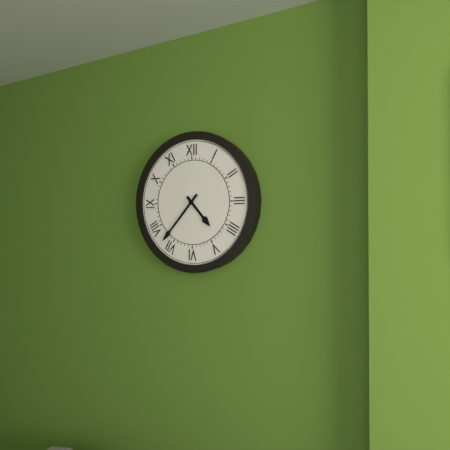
4,37
